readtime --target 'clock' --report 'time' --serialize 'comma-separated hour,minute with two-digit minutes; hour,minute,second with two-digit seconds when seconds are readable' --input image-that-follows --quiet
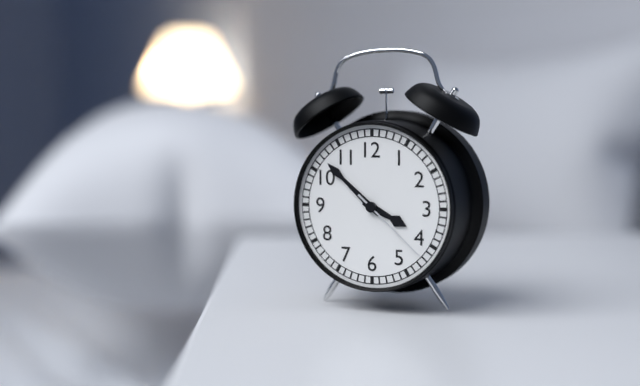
3,52,22
